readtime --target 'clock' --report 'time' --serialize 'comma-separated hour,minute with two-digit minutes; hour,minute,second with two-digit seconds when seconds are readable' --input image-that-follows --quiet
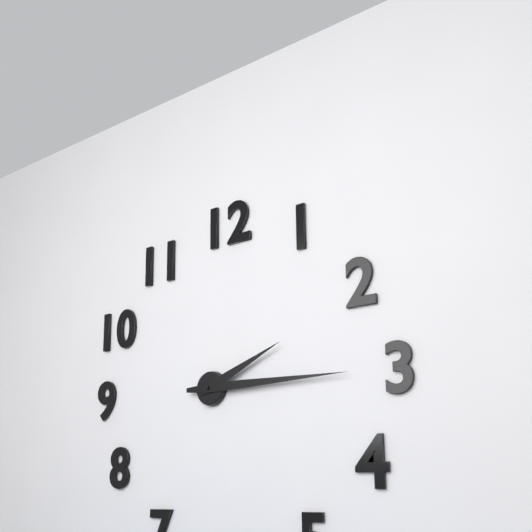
2,15
